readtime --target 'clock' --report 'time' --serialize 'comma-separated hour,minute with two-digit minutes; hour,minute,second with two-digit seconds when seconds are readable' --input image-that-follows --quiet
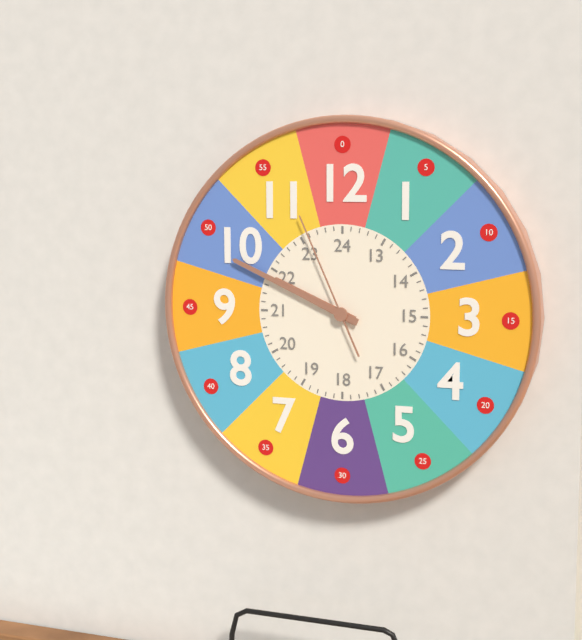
9,49,56
